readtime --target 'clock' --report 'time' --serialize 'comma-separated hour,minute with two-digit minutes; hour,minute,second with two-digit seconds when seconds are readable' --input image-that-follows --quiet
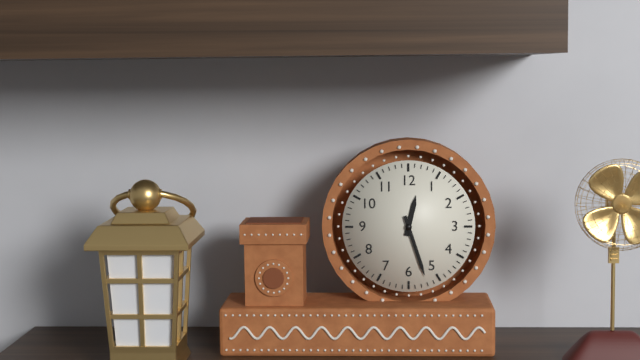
12,27
